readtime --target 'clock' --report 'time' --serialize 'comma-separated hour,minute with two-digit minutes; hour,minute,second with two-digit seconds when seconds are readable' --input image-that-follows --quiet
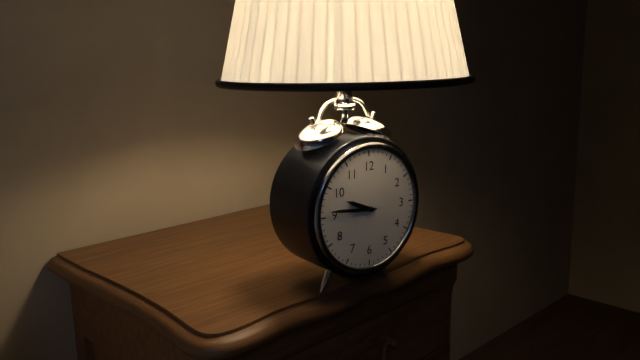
9,46
